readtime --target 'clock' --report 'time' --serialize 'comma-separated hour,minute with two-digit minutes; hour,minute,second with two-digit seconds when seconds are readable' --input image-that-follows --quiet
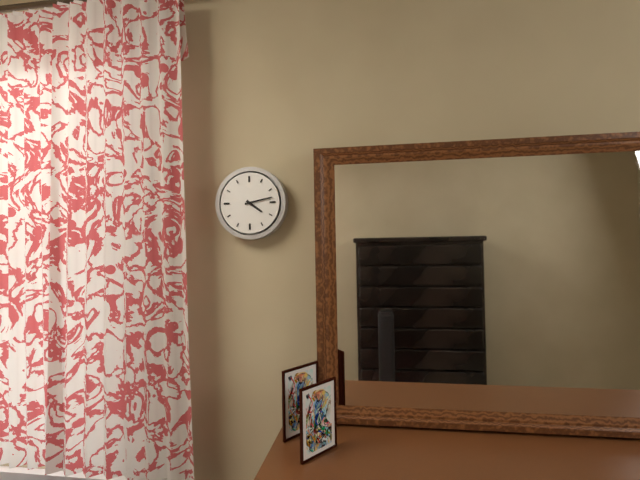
4,13
